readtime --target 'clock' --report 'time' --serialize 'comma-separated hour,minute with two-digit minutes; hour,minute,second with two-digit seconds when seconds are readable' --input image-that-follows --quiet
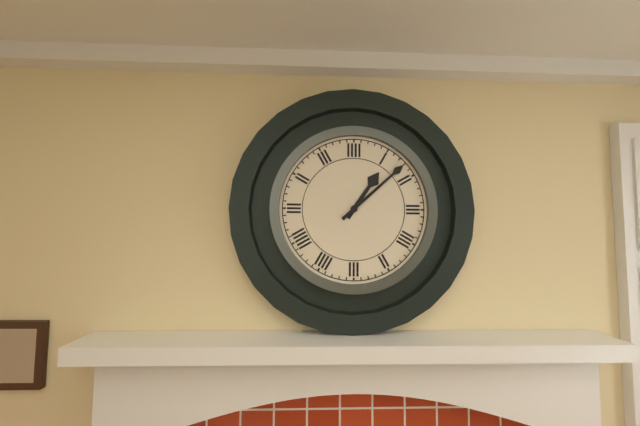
1,08
